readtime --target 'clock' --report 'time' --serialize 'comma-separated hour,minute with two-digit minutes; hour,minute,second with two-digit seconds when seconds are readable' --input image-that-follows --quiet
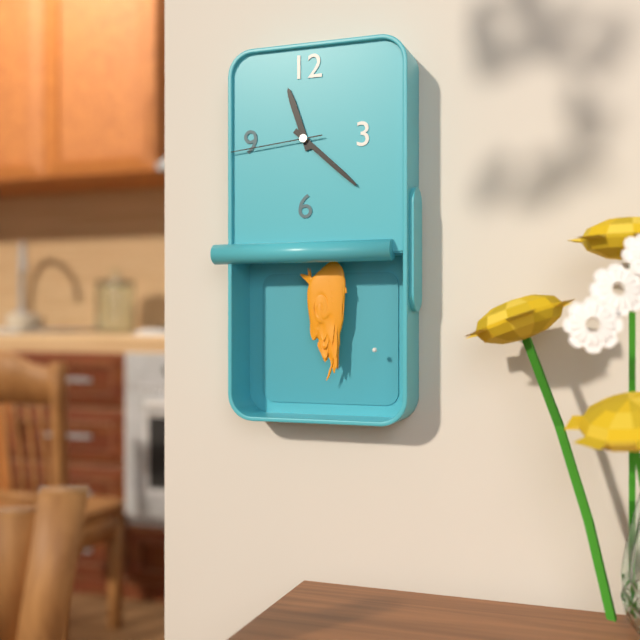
11,22,44
